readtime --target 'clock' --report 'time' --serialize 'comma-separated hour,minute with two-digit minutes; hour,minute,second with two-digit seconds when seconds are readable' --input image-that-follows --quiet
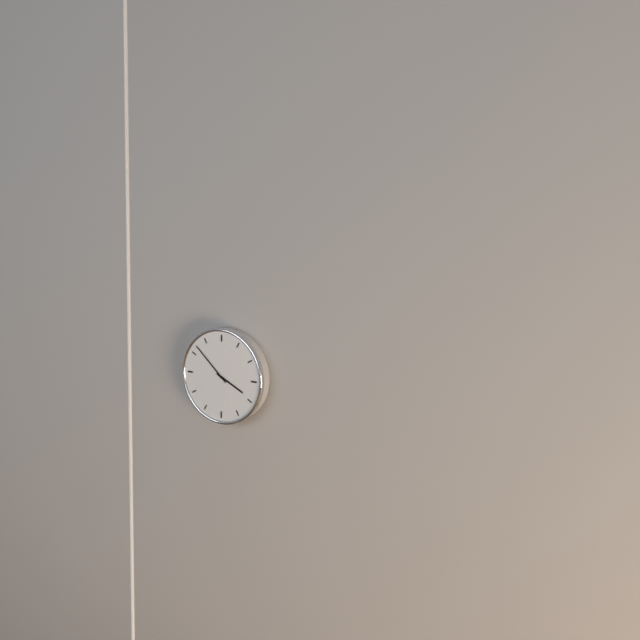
3,52
